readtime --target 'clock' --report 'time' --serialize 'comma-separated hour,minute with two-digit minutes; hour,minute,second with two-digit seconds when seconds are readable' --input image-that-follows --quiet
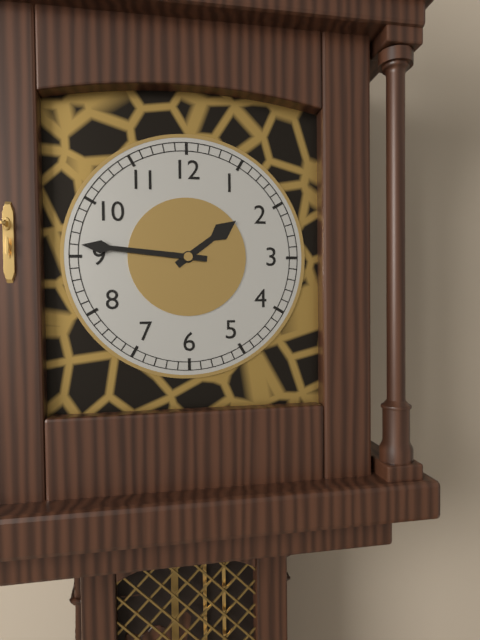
1,46
